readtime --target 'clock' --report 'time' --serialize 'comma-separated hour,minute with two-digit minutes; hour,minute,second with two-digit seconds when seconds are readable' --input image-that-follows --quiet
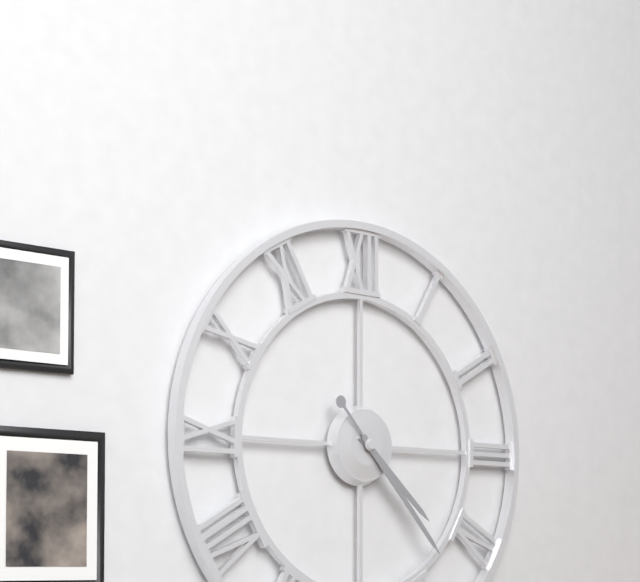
4,23
